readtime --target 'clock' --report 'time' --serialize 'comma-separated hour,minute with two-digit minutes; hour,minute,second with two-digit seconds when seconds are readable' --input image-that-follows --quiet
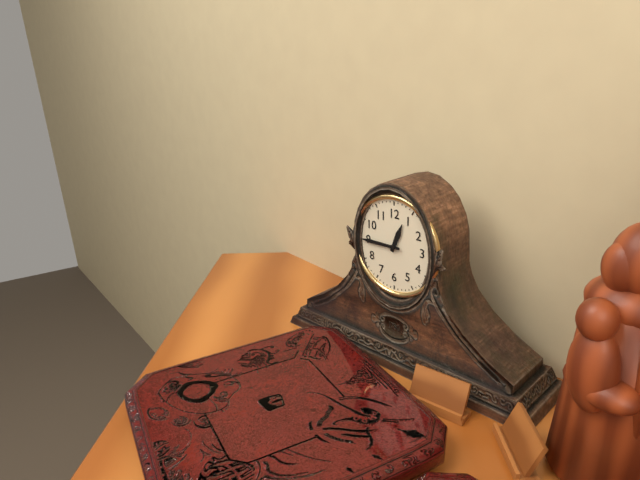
12,45
